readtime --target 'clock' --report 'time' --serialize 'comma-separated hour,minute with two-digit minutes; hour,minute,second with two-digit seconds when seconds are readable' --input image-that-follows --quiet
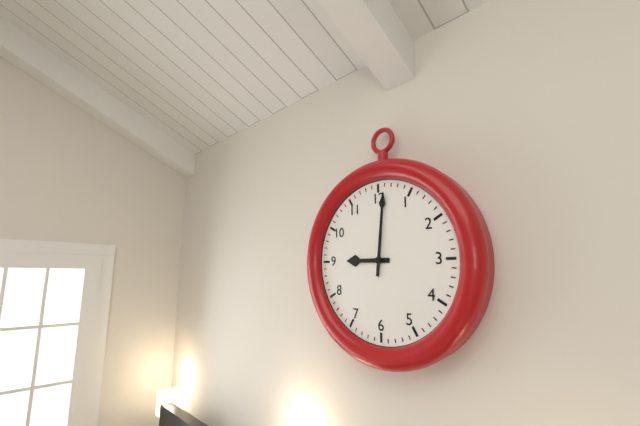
9,01
